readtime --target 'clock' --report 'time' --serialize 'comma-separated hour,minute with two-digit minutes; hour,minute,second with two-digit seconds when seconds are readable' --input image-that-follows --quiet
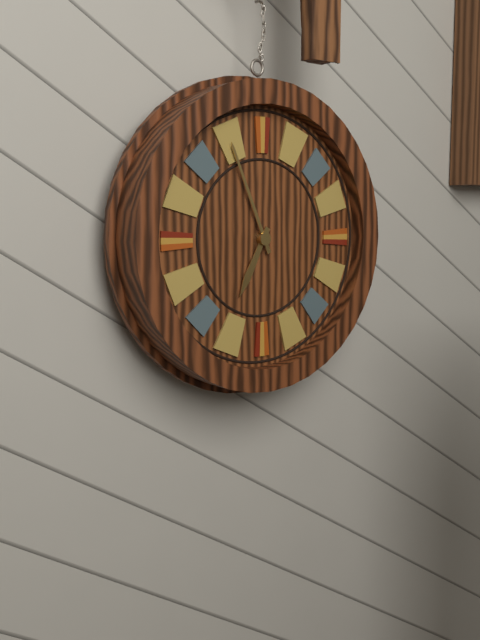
6,56
